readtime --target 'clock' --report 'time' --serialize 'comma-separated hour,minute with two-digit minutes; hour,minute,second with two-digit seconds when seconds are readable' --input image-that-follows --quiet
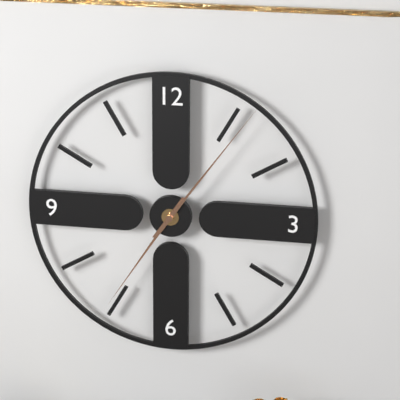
7,06
